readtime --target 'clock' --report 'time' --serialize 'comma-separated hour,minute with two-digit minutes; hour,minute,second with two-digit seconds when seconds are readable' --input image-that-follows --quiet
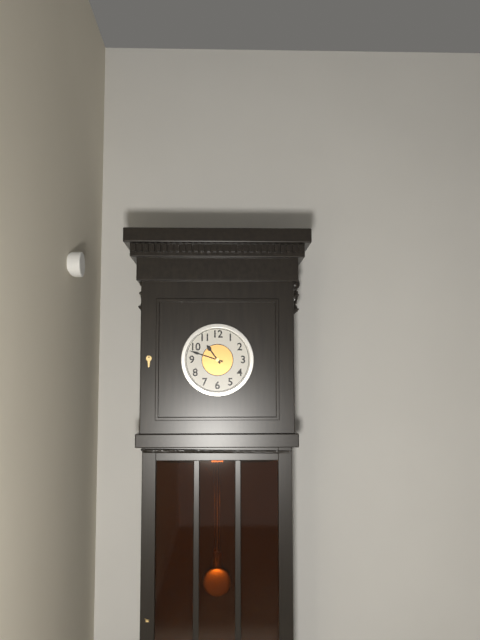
10,48
